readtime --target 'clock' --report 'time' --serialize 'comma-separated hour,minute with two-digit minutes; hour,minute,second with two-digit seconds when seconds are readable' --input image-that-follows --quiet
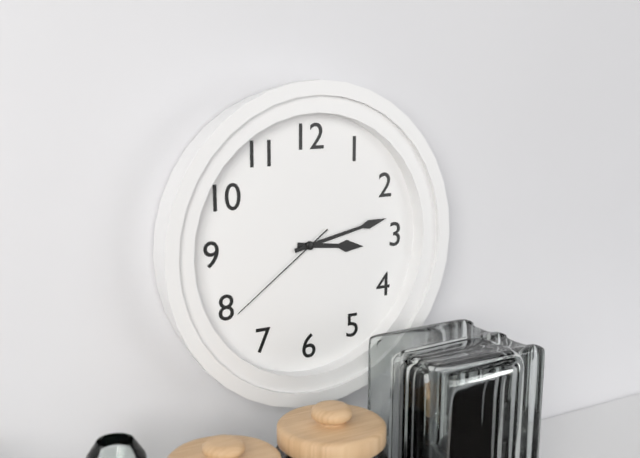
3,13,39
